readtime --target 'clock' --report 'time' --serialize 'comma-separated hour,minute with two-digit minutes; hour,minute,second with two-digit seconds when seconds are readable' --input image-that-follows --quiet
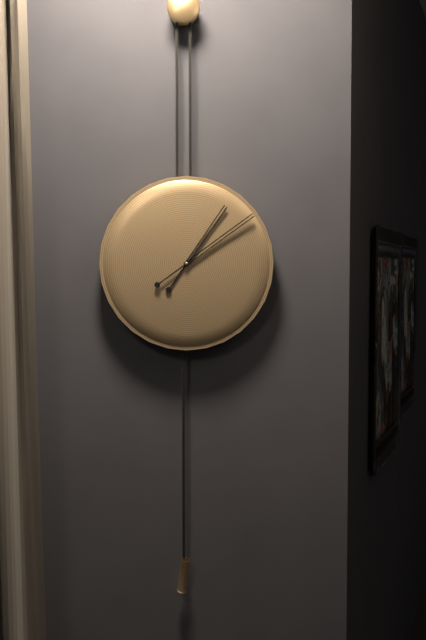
1,09
